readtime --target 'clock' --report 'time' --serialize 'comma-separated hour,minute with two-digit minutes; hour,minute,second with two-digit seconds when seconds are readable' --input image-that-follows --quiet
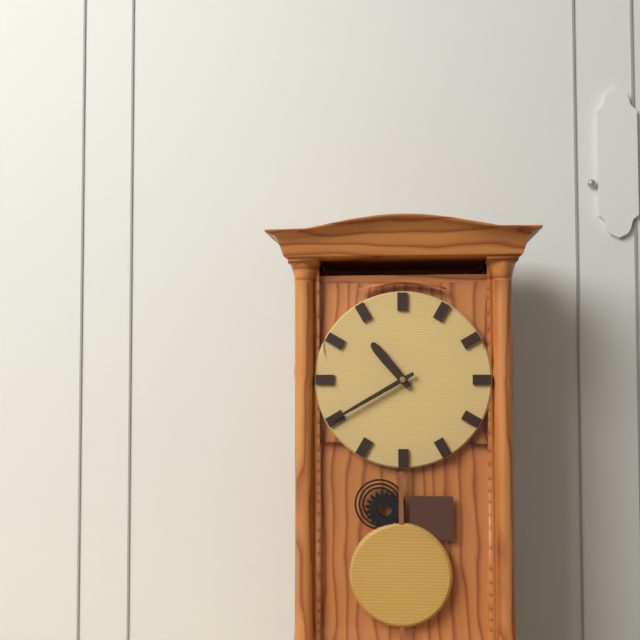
10,40
